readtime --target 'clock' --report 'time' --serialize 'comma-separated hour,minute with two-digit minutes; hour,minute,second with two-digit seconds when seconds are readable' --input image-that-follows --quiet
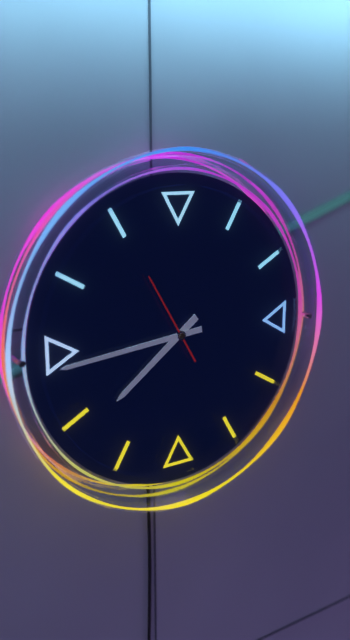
7,44,55
